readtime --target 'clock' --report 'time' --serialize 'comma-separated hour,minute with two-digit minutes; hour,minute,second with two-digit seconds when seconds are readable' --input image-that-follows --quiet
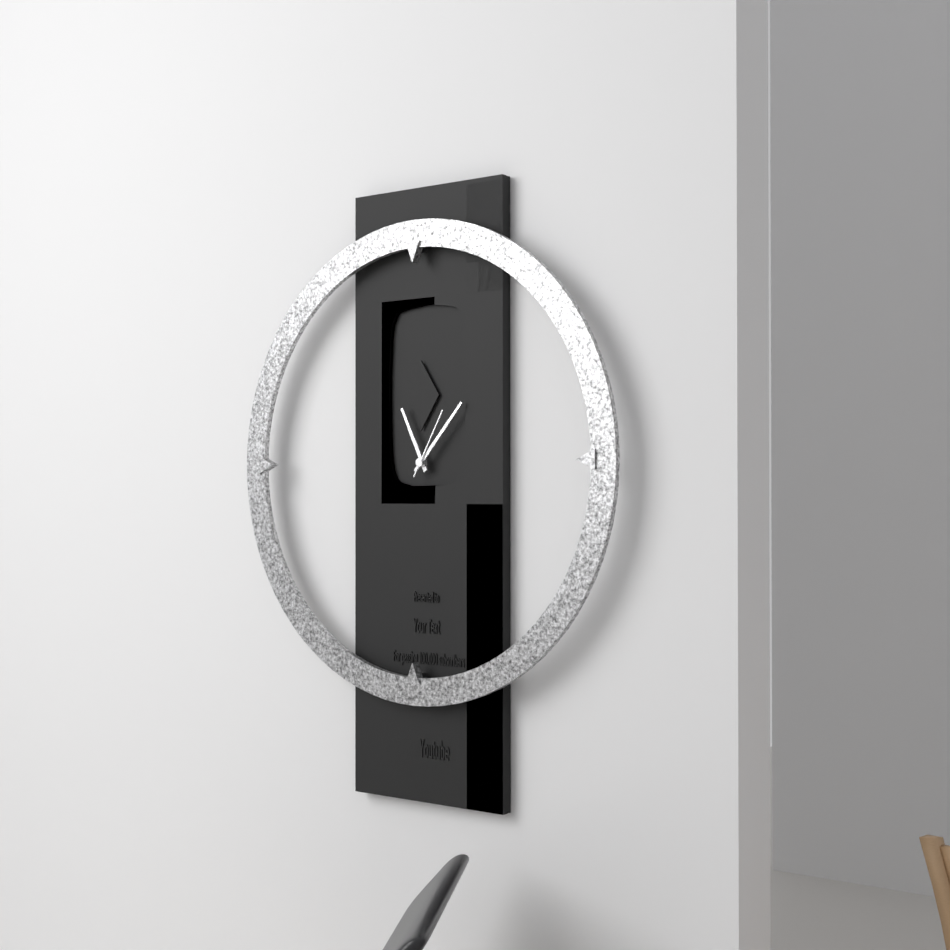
11,07,05
